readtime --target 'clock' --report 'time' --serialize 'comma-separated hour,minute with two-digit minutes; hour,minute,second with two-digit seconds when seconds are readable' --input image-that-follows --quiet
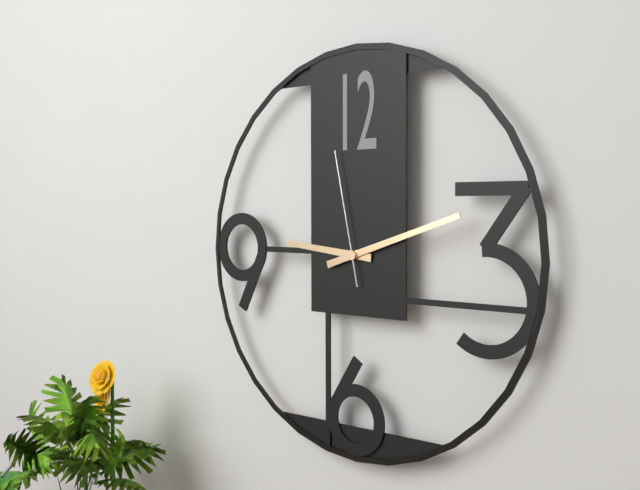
9,12,58
